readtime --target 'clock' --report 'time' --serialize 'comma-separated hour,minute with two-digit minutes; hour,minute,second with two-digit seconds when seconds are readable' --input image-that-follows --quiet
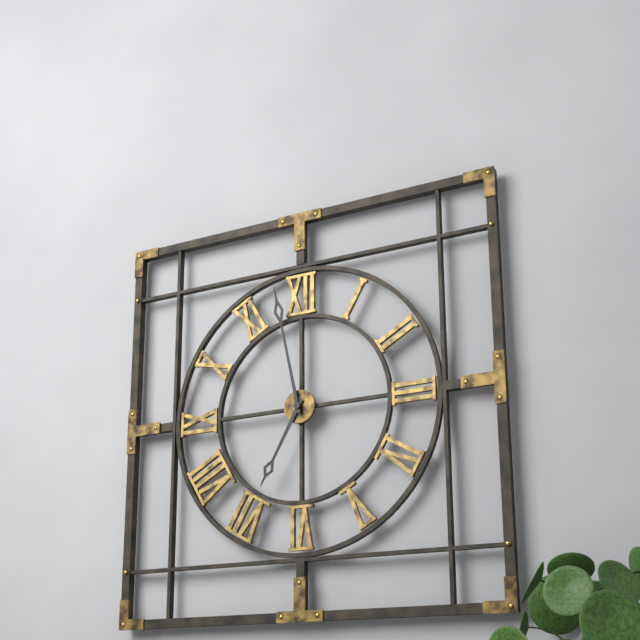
6,58
